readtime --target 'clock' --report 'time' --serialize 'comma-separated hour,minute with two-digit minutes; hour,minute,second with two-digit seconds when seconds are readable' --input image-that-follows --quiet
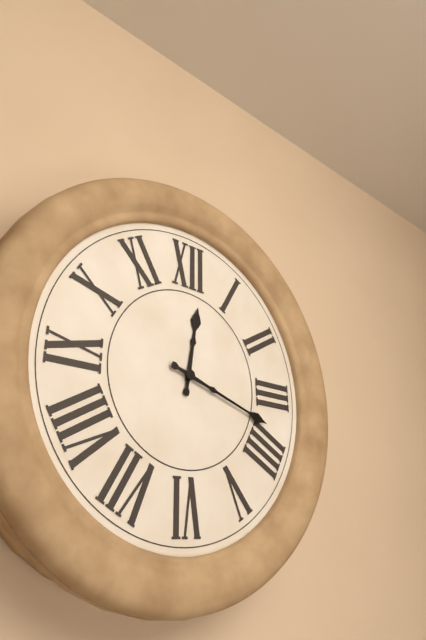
12,18
